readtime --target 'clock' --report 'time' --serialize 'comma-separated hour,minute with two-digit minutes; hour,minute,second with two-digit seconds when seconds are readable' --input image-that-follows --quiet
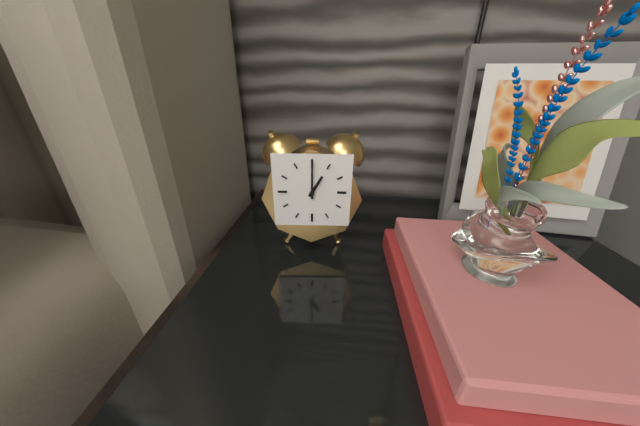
1,00
